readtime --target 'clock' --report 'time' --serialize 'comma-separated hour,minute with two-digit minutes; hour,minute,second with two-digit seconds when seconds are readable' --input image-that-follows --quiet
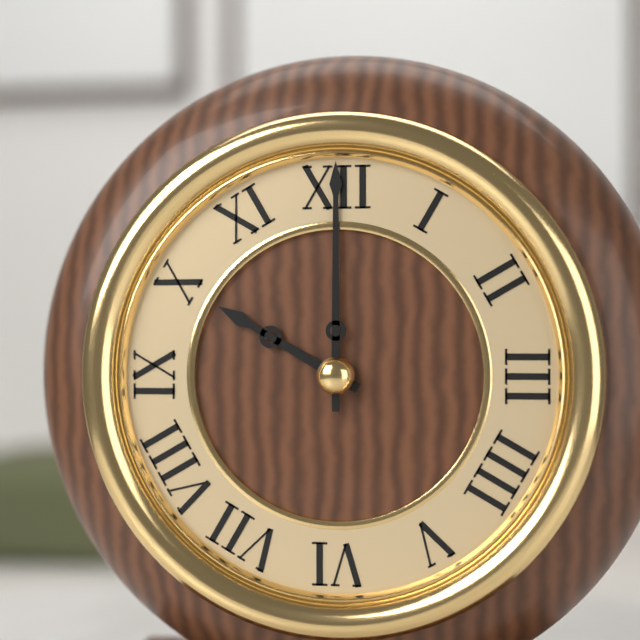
10,00
